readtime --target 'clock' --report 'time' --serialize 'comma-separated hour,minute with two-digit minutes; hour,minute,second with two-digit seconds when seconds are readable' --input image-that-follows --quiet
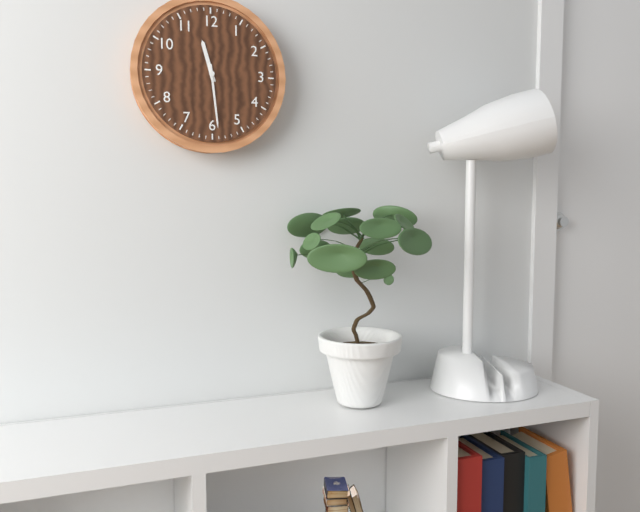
11,29
